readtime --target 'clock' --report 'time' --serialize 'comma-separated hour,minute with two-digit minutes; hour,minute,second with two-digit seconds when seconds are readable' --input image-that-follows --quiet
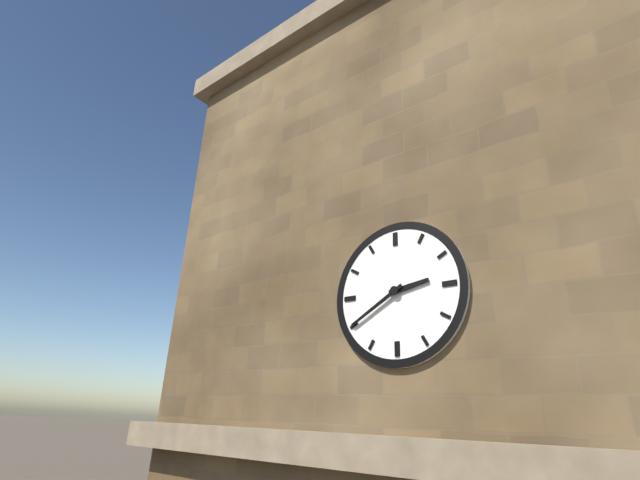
2,40
